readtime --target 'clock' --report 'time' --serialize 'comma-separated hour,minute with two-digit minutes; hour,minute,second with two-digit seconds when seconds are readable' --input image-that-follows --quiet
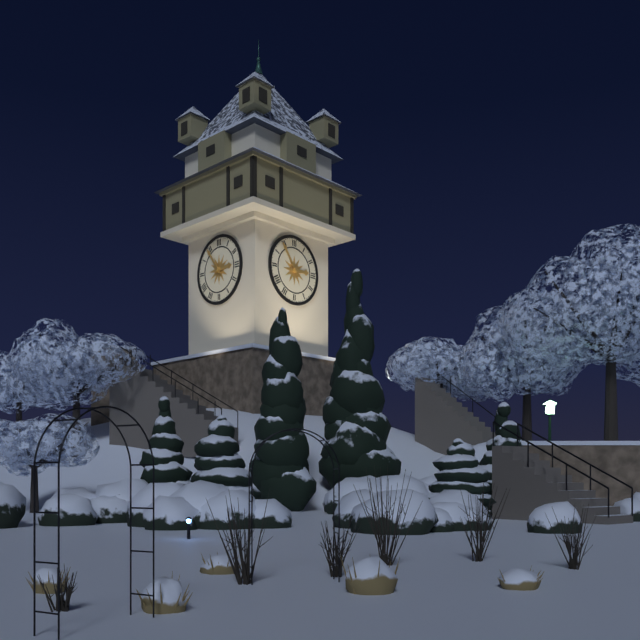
2,54
